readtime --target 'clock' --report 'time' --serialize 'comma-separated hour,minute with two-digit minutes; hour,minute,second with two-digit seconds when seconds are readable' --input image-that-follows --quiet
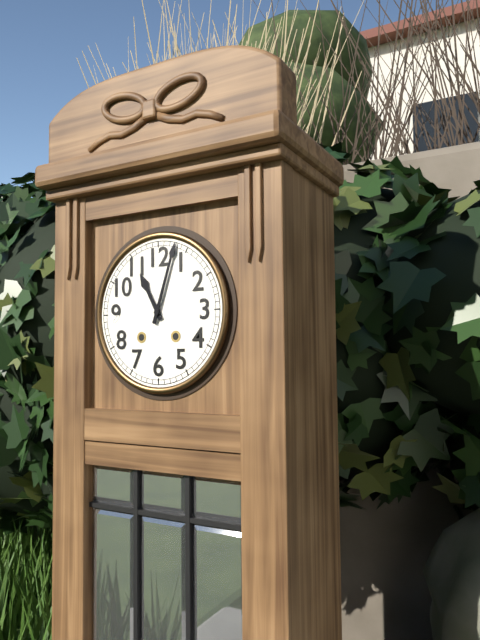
11,03
